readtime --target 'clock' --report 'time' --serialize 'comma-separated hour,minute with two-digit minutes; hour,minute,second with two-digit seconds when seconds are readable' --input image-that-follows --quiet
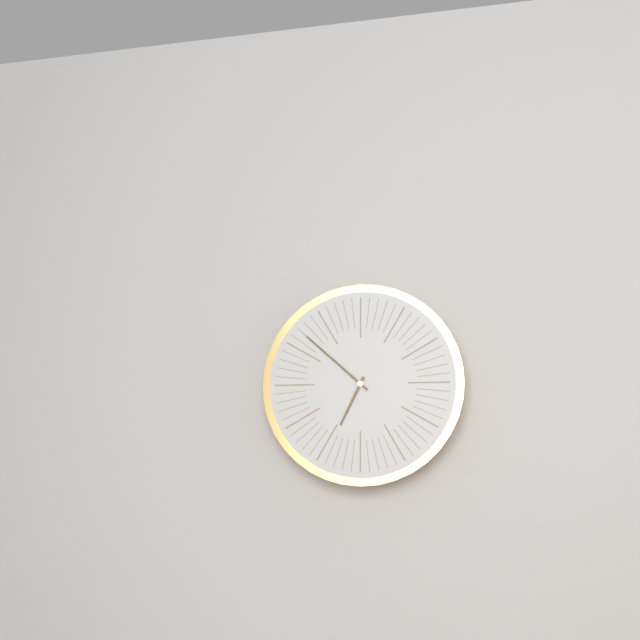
6,52
